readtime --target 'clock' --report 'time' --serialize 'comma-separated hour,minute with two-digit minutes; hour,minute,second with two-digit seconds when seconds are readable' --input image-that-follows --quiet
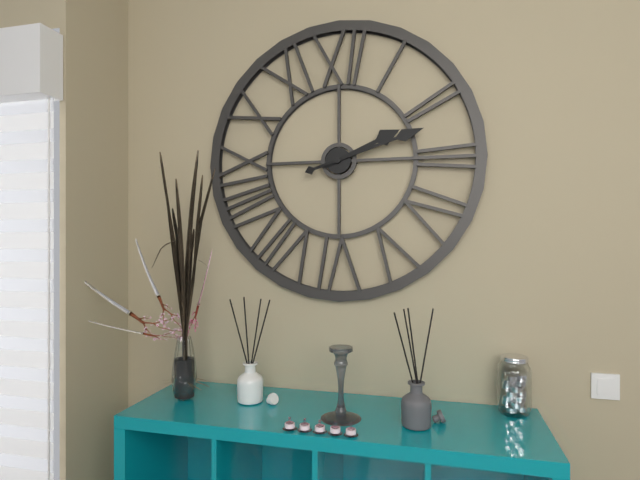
2,12
